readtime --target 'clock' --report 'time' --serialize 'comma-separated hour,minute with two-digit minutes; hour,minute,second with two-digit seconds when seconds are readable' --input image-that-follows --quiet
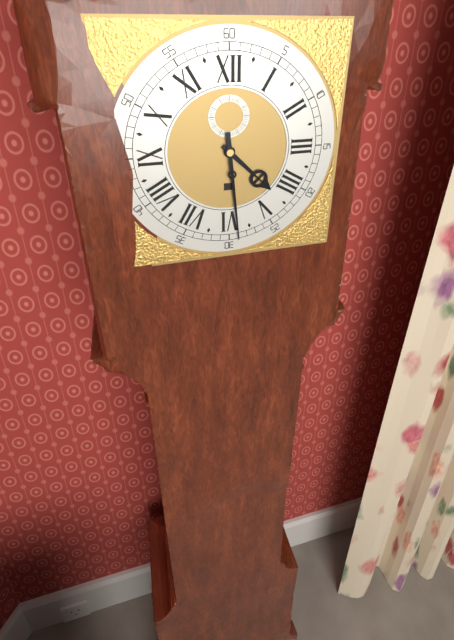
4,29
